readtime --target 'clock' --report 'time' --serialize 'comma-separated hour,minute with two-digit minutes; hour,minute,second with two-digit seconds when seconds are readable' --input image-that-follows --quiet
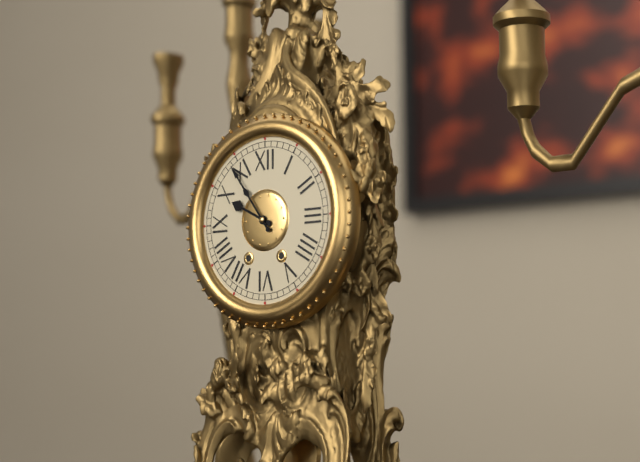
9,54
